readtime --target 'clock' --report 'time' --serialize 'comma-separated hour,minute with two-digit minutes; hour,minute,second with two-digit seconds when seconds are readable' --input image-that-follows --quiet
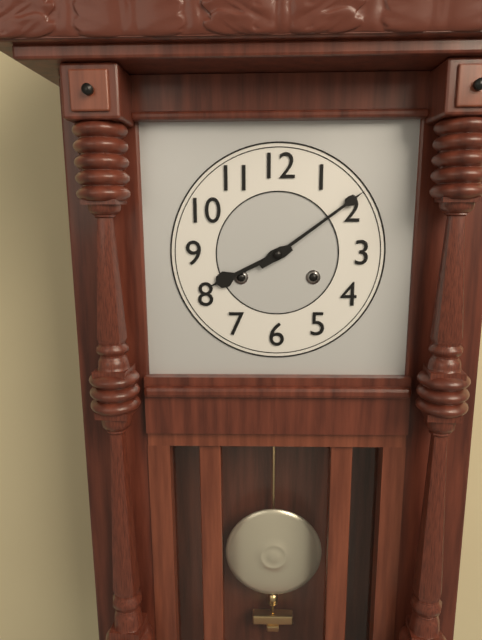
8,09
